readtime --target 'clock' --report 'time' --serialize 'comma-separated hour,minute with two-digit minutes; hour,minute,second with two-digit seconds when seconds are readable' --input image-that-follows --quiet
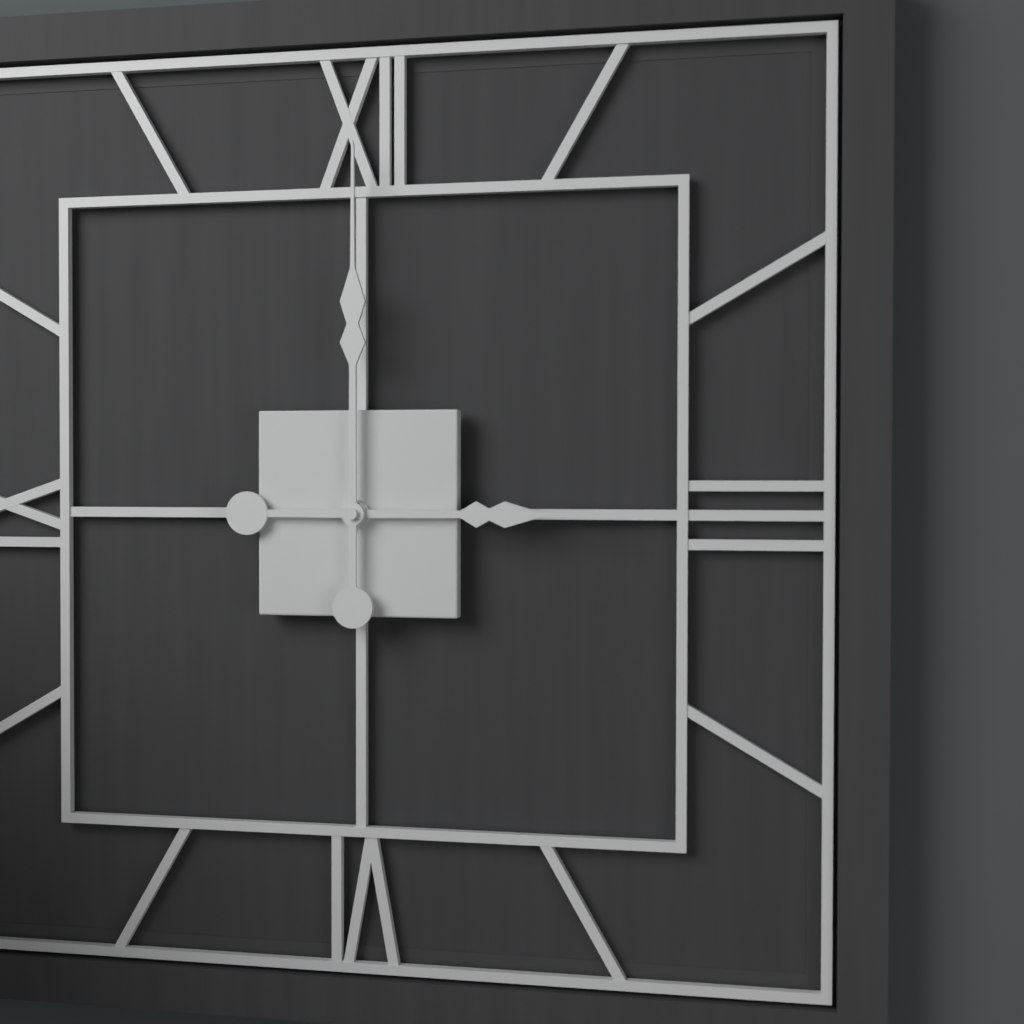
3,00
